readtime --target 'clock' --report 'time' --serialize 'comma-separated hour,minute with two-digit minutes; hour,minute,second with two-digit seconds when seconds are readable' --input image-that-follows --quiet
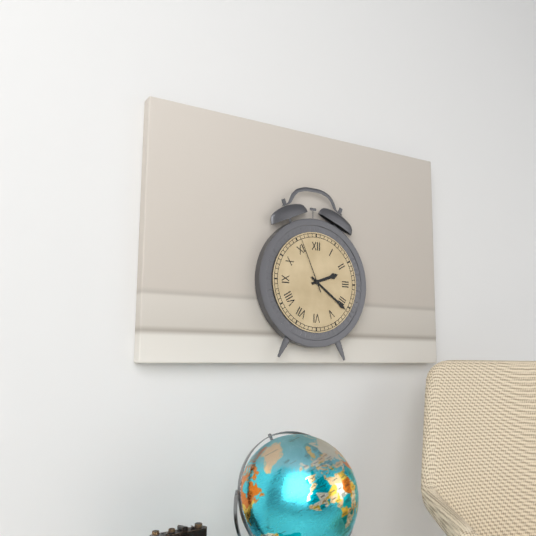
2,21,56
